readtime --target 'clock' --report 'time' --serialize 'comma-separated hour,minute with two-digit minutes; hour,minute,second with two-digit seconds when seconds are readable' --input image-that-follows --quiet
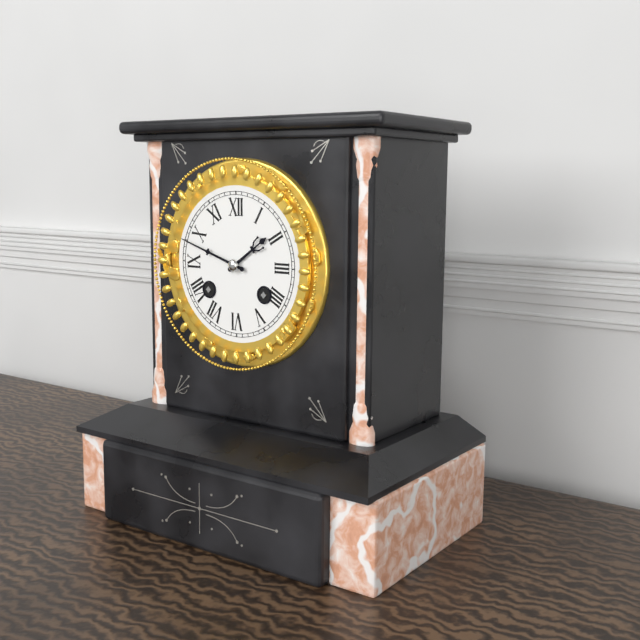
1,48
